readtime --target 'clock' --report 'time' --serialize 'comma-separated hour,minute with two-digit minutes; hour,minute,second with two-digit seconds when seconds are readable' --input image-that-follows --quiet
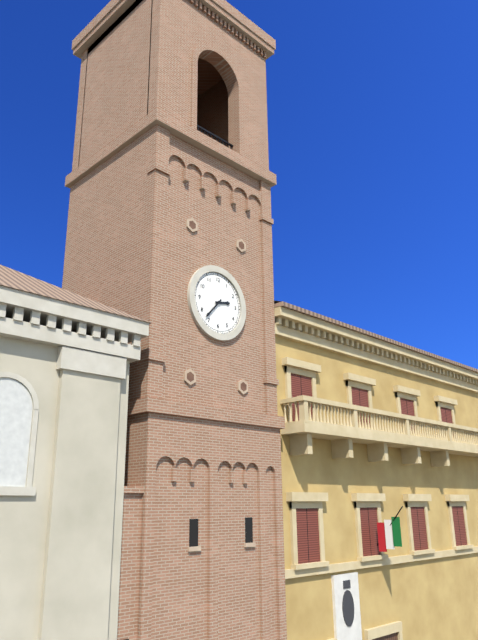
2,37
